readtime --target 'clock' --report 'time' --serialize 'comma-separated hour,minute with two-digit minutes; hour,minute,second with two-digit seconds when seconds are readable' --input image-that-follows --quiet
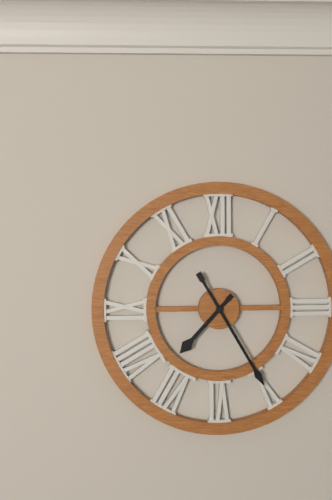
7,25
